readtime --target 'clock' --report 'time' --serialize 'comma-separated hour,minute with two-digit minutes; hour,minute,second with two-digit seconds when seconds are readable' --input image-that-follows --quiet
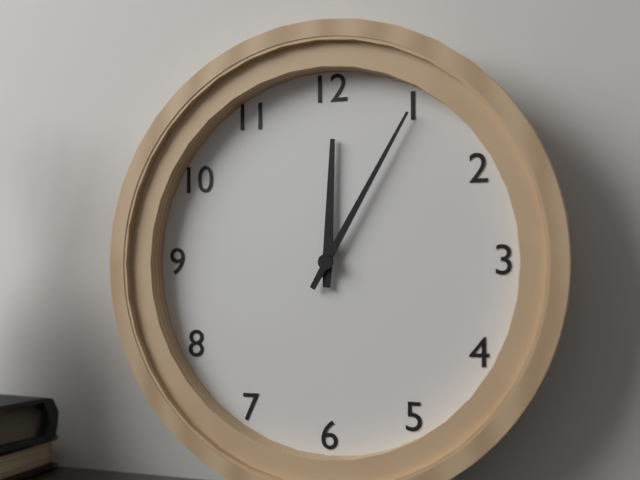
12,05
